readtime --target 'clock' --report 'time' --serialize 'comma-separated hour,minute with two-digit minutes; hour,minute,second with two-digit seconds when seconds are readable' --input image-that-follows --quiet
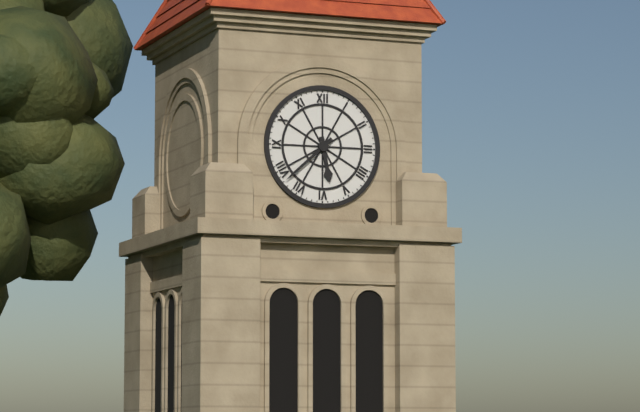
5,38
